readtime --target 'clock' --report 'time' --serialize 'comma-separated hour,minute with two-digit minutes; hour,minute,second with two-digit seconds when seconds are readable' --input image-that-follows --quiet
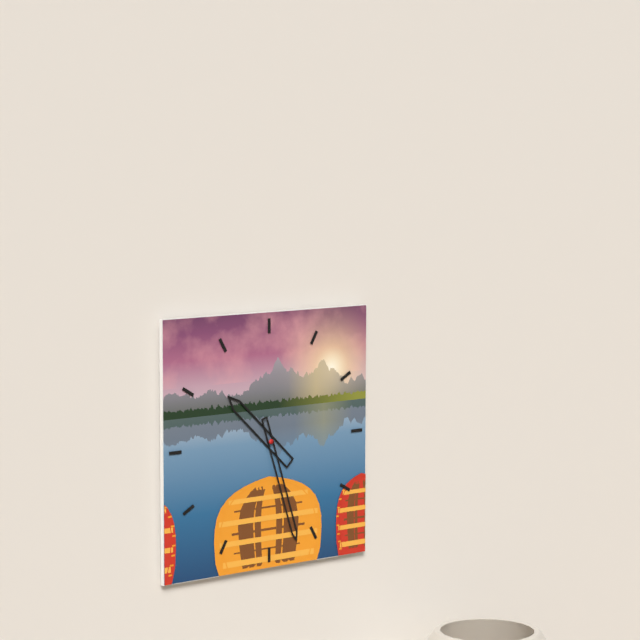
10,27
